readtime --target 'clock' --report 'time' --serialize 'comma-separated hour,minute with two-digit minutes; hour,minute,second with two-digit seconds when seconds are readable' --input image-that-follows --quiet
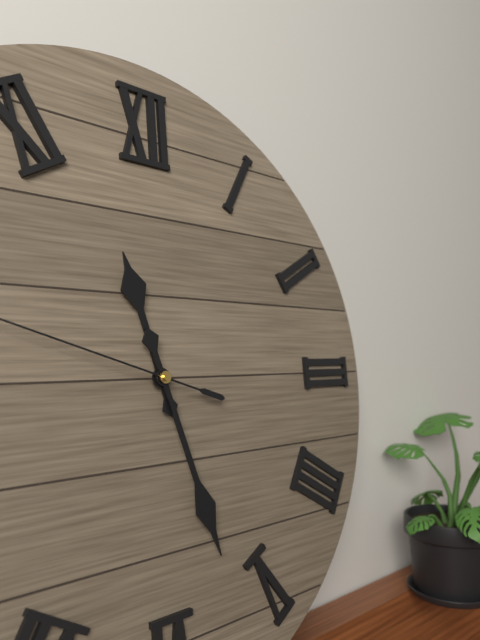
11,27
